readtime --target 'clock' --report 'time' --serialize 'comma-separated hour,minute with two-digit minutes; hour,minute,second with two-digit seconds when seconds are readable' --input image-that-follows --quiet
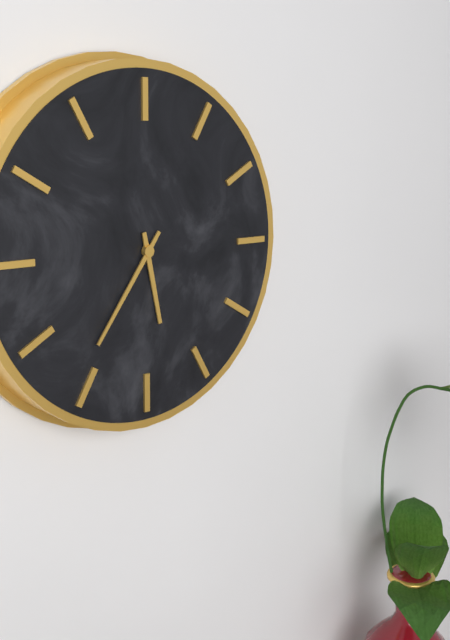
5,36
